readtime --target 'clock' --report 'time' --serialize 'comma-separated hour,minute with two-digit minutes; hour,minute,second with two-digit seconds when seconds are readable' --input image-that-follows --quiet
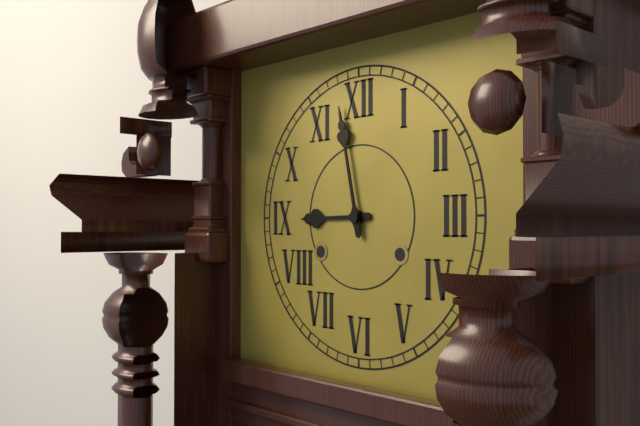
8,58
